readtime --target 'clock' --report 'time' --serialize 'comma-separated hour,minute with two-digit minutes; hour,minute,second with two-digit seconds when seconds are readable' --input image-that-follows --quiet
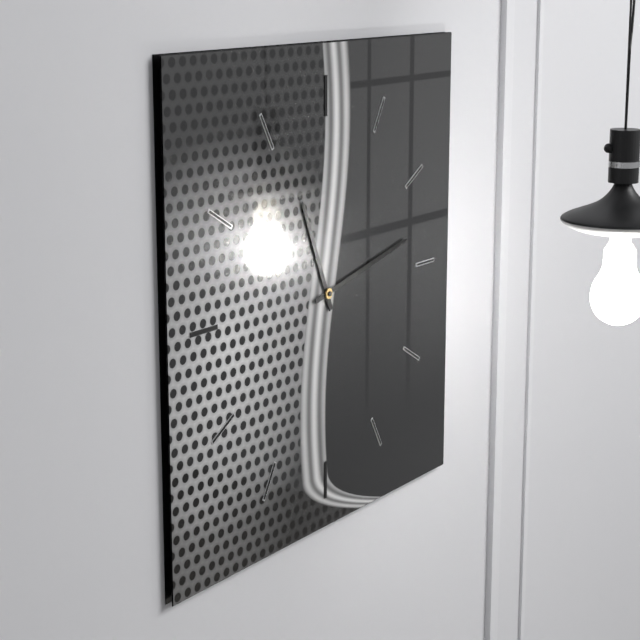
11,13
